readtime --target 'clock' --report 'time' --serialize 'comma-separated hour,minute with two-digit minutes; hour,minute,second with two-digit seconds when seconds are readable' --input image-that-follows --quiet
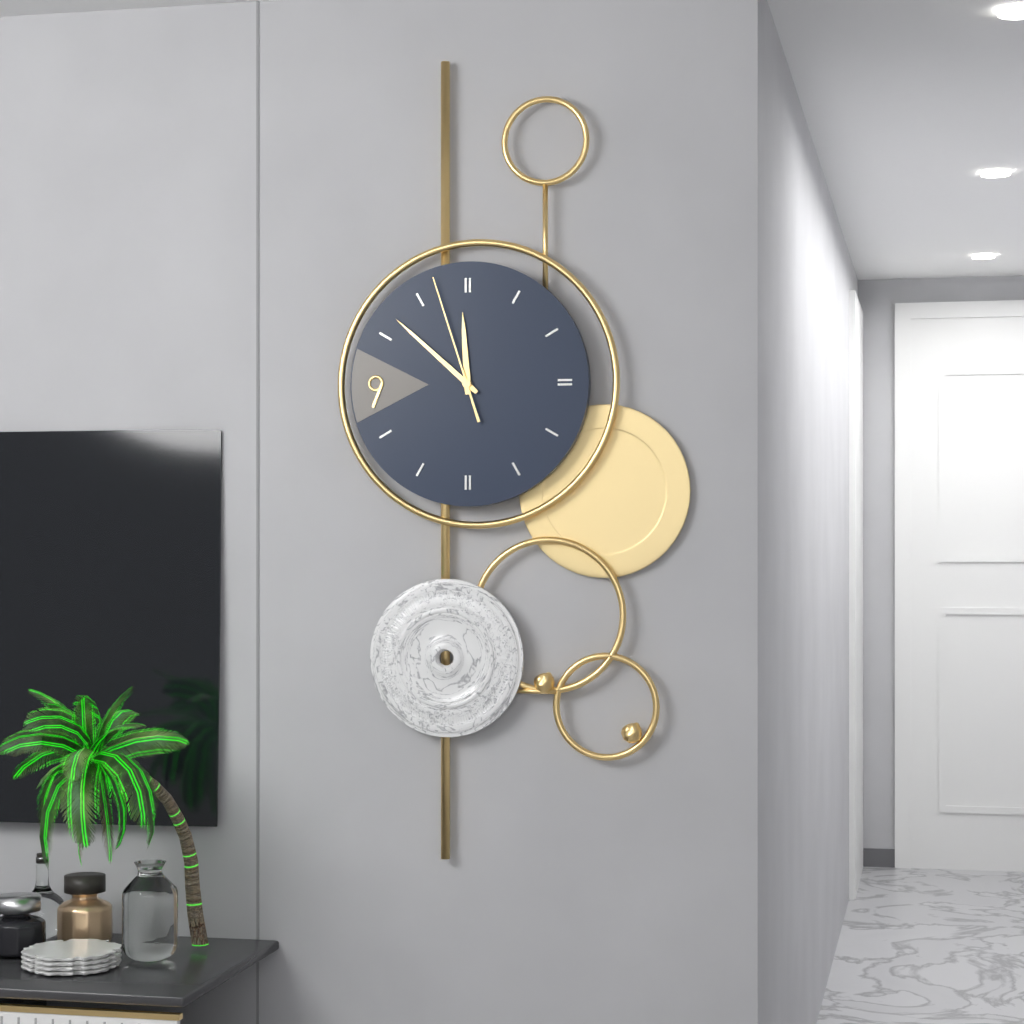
11,52,57
